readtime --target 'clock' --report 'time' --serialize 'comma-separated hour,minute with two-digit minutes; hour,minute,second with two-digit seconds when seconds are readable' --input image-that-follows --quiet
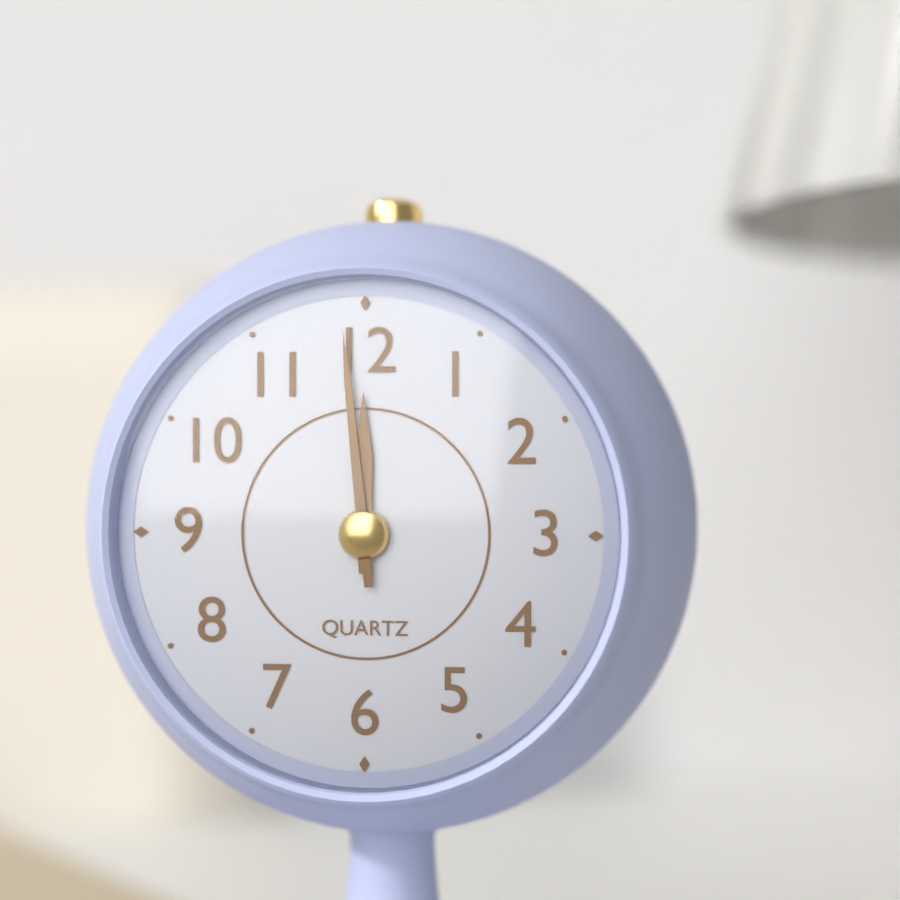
11,59
